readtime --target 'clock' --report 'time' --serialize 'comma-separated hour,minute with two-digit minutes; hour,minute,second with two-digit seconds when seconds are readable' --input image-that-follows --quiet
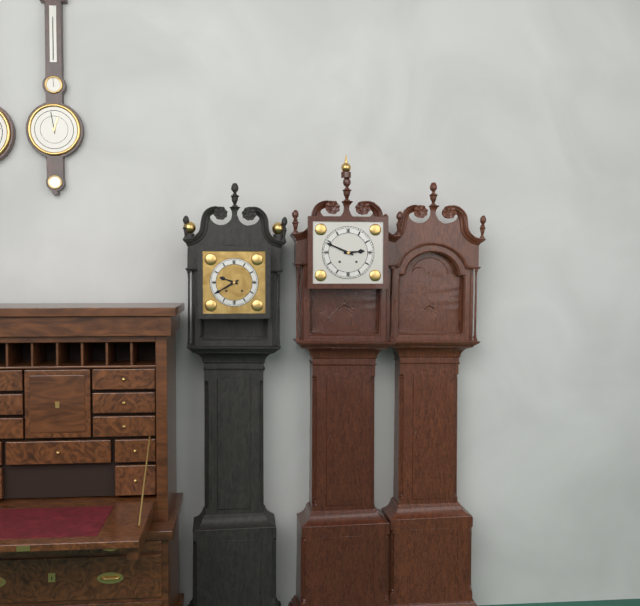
2,49
